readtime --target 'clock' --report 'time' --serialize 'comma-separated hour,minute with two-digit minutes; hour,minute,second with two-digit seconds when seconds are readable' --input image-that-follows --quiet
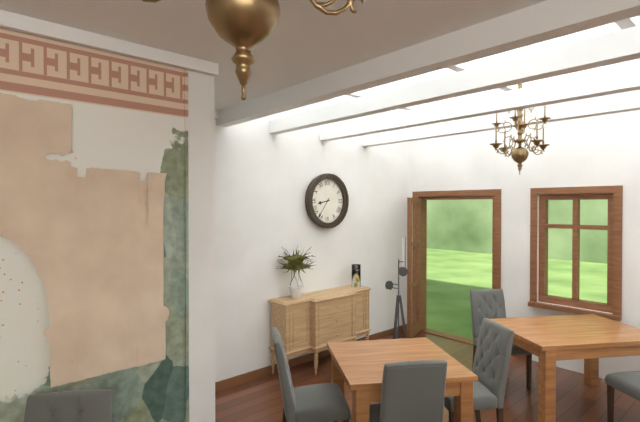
8,36
